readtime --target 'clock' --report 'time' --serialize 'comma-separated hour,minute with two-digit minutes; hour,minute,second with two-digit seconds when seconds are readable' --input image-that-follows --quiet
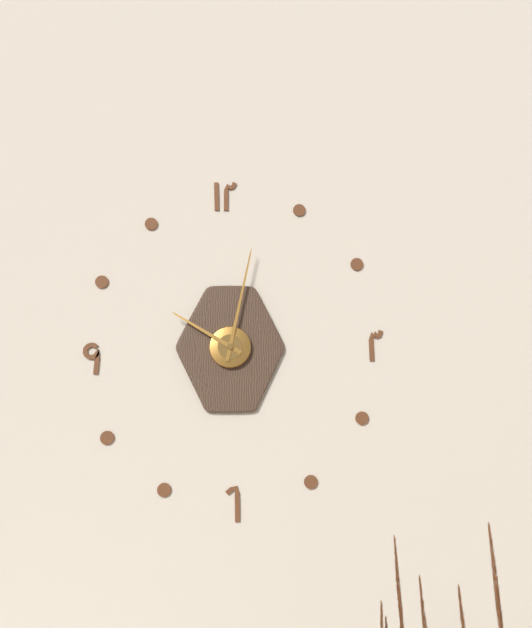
10,02
